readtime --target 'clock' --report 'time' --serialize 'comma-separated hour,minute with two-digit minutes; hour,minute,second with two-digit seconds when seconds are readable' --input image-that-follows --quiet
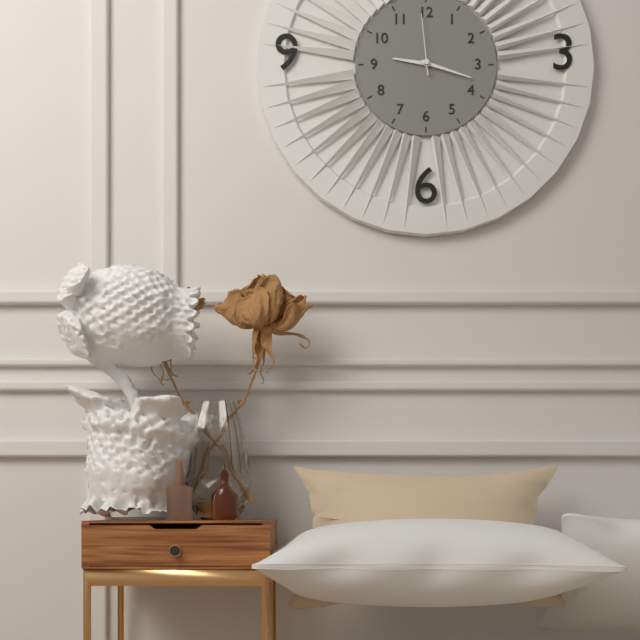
9,18,59
